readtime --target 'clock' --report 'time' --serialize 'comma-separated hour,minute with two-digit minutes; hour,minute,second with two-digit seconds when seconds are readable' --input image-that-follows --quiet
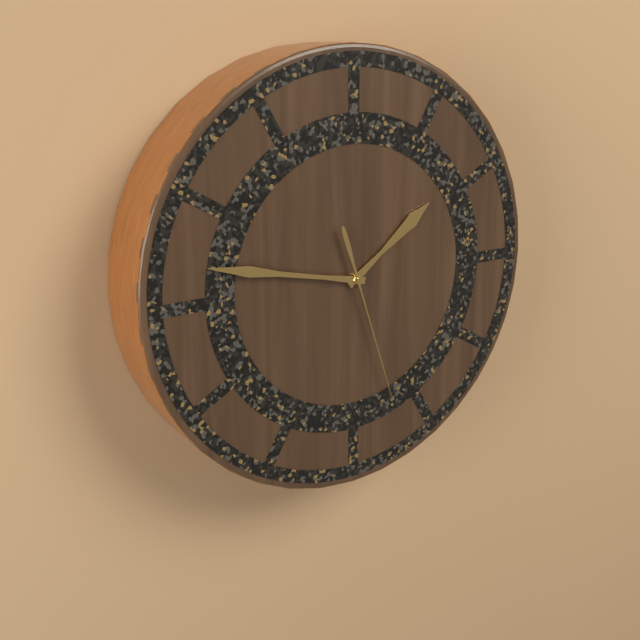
1,47,27
